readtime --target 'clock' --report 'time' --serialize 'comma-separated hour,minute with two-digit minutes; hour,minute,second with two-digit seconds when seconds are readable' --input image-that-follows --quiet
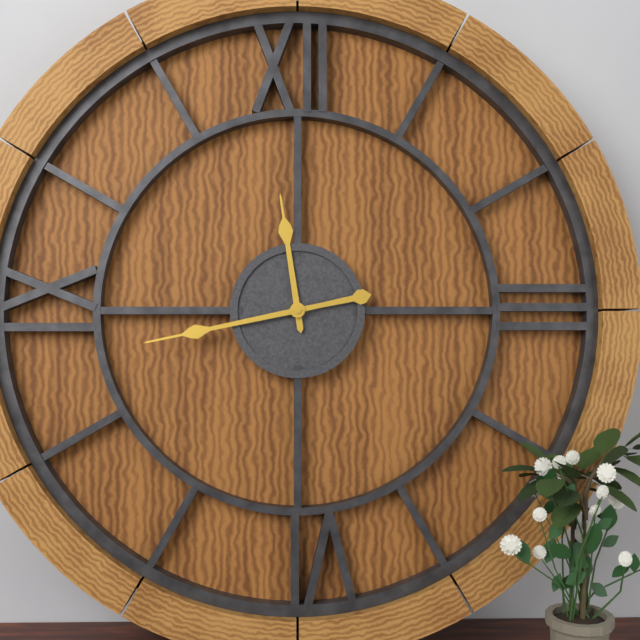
11,43
